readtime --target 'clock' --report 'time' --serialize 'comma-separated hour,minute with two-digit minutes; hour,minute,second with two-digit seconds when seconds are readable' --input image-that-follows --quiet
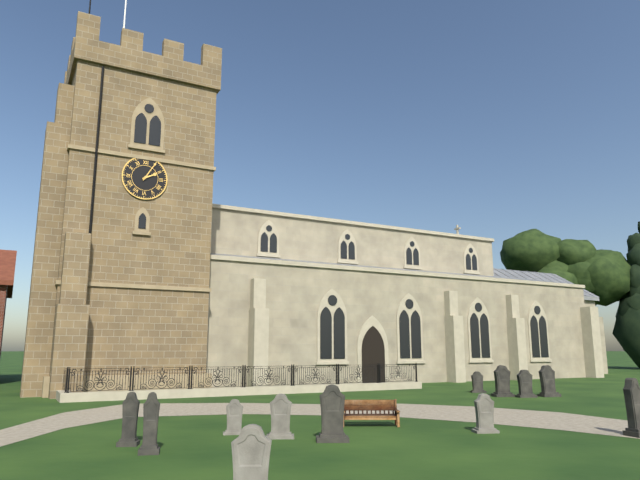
2,05
